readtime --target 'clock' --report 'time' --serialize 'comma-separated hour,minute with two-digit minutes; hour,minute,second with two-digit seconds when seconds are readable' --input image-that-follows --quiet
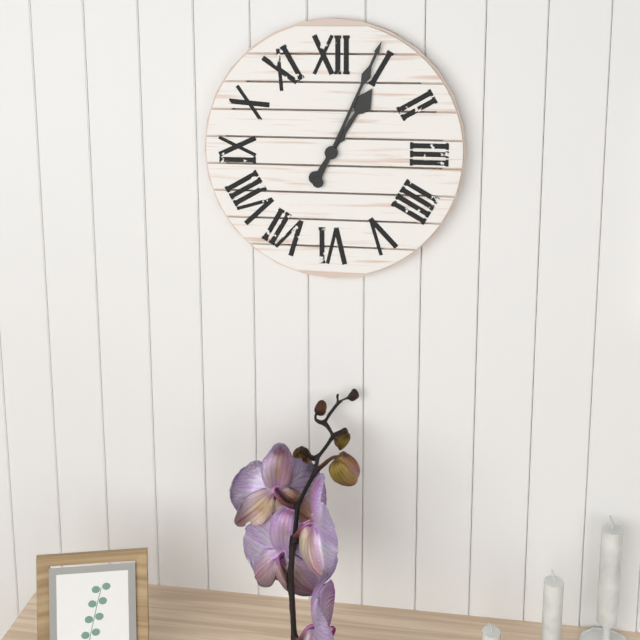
1,04
